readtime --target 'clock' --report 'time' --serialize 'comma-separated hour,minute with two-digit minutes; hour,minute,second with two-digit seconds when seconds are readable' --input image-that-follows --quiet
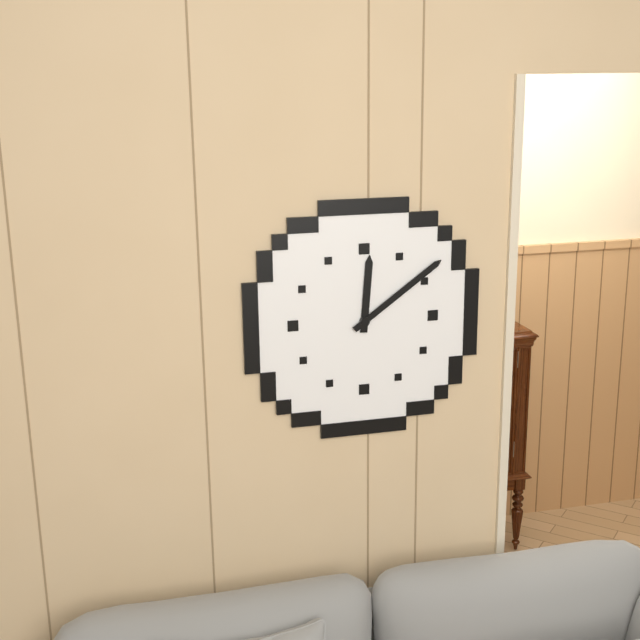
12,09
